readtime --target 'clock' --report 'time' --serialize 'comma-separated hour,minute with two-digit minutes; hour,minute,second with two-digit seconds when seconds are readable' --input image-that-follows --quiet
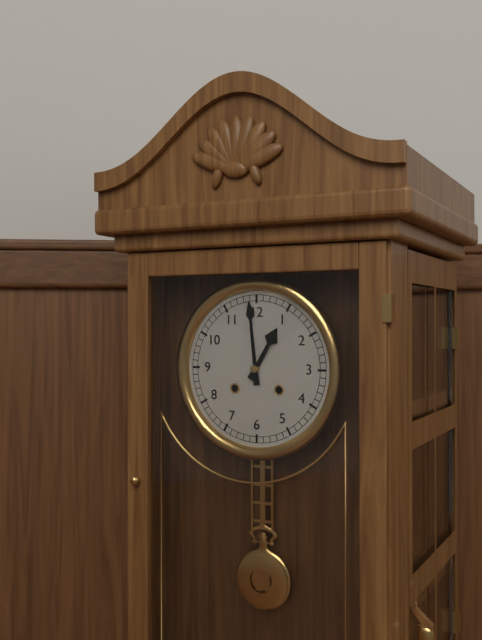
12,59
